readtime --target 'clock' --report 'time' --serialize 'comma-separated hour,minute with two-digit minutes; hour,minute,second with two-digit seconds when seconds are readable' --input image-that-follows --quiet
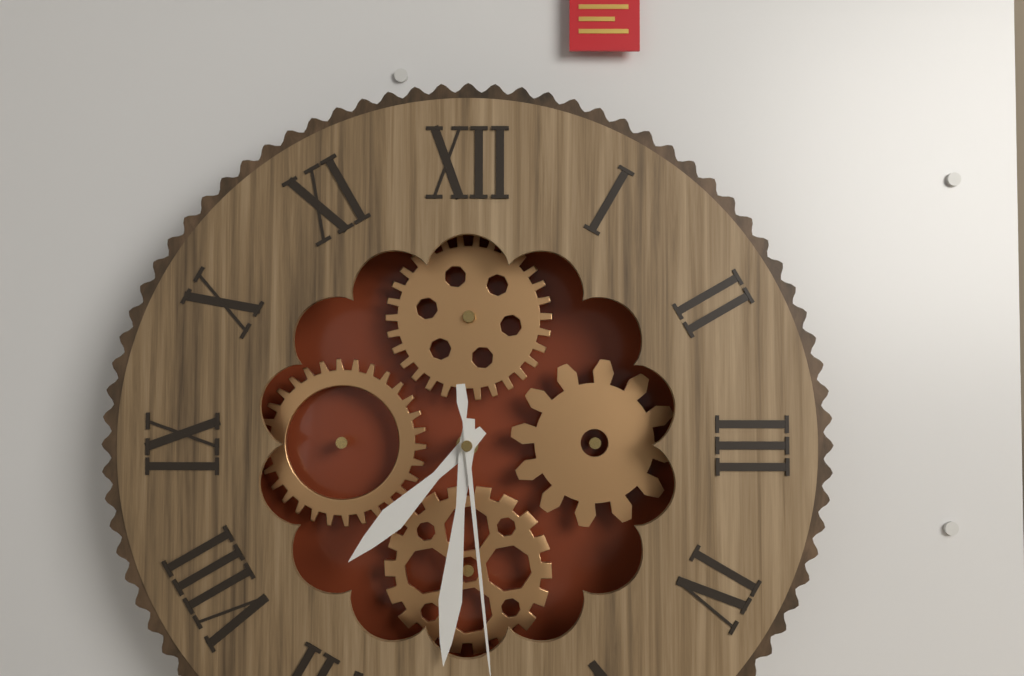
7,31
